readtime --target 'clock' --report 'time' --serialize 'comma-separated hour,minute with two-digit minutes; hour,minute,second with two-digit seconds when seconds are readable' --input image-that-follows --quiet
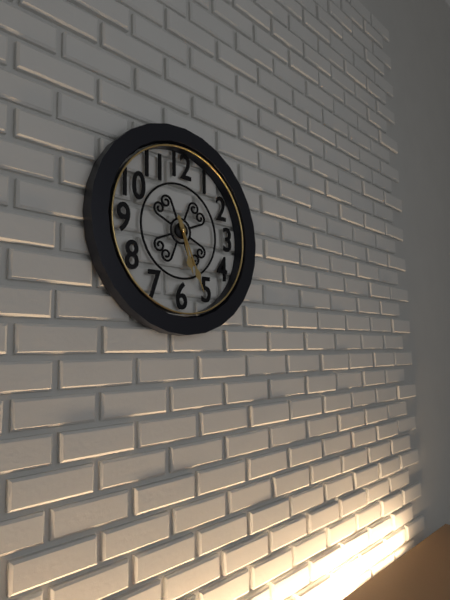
5,26
